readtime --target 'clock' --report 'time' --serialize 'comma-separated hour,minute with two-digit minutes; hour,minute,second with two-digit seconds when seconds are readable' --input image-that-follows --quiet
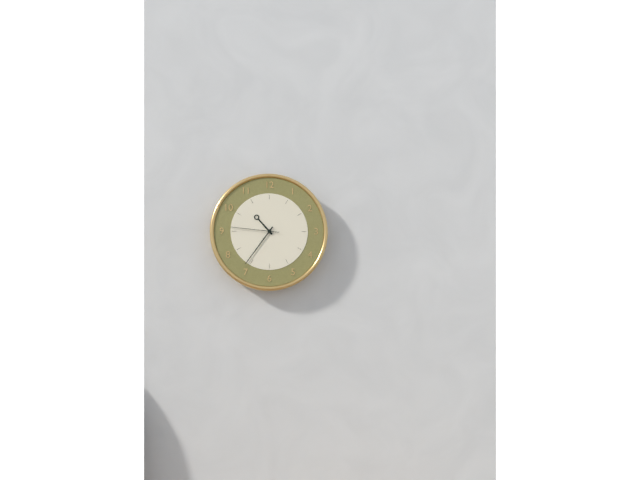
10,36
